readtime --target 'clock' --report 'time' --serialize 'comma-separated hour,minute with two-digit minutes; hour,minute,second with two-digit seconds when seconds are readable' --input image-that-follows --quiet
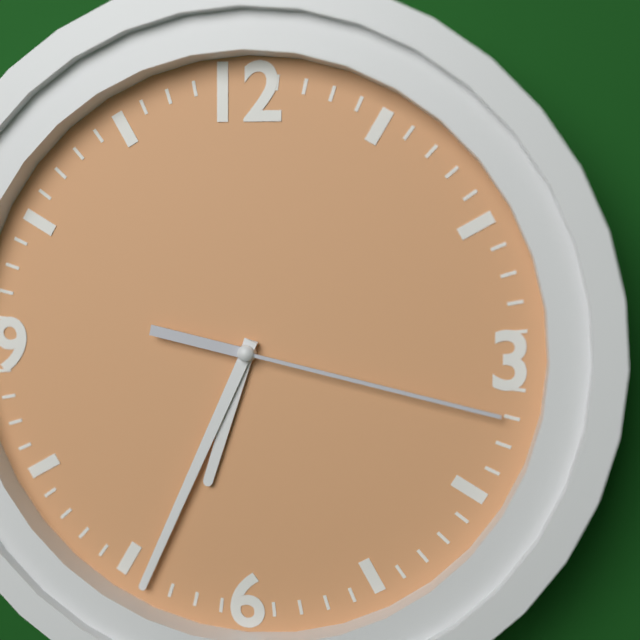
6,34,17
